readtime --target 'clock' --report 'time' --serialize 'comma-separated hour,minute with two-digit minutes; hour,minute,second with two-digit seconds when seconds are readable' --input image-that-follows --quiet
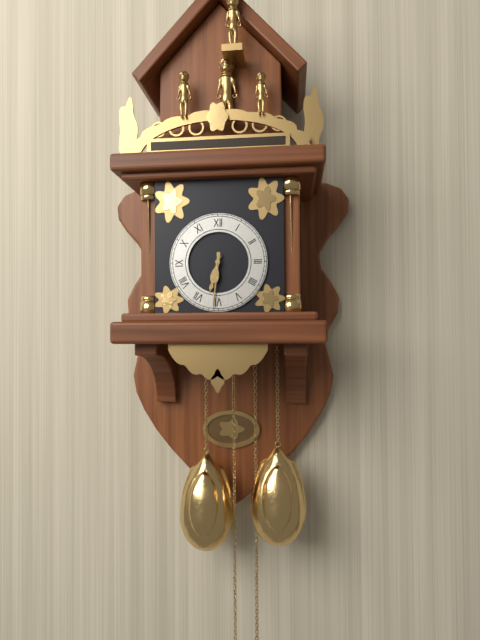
6,31
